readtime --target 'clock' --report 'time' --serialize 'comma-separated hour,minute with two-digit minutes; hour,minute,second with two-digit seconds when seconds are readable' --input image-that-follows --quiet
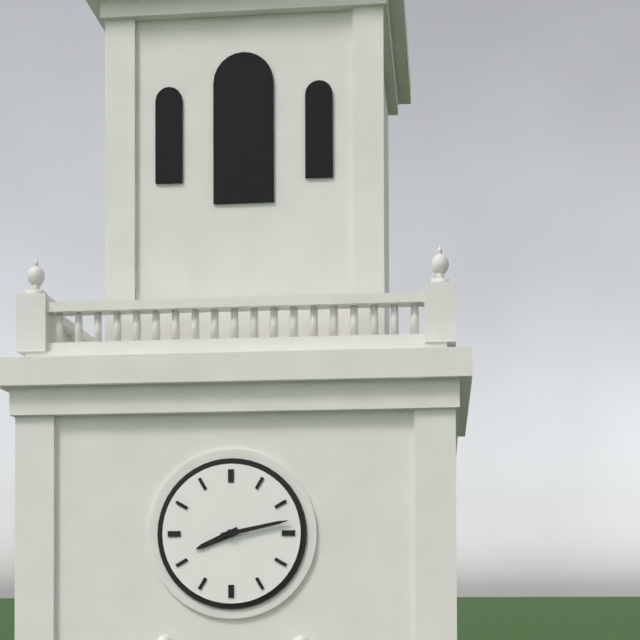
8,13
